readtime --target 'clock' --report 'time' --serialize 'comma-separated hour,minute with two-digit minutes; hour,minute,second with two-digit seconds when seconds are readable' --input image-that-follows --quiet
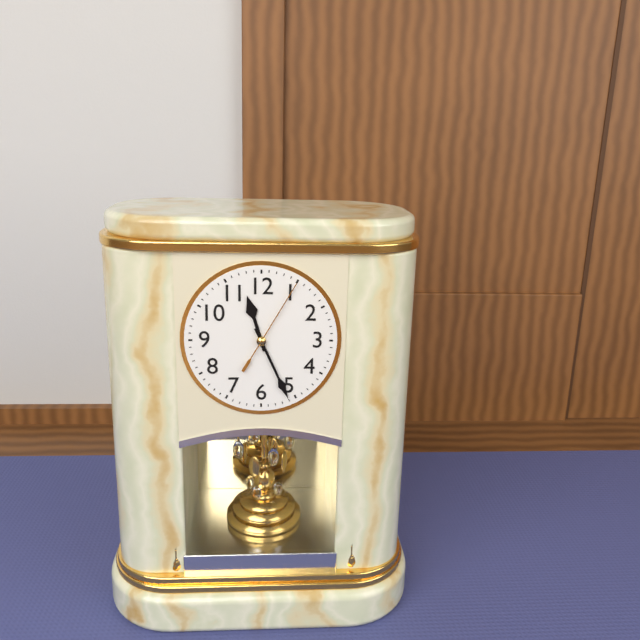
11,26,05
